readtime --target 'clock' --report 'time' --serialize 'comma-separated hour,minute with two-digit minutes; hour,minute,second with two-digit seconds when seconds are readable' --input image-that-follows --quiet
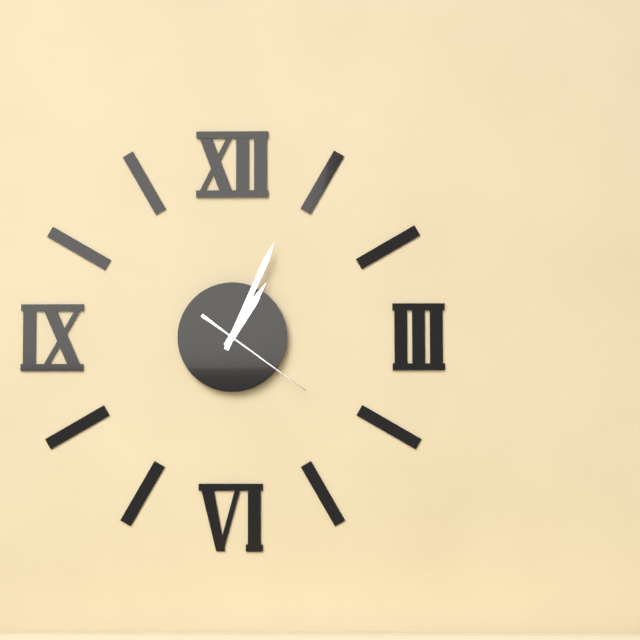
1,04,21
